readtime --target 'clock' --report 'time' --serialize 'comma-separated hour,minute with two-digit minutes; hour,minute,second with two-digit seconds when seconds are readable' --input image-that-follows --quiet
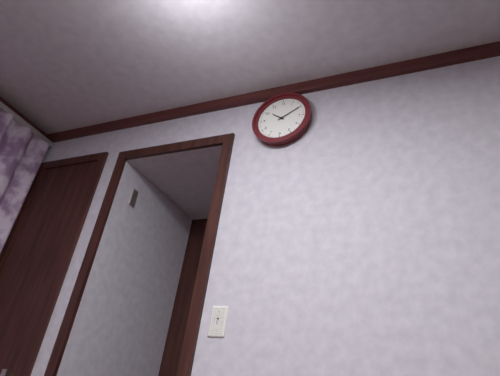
10,10
